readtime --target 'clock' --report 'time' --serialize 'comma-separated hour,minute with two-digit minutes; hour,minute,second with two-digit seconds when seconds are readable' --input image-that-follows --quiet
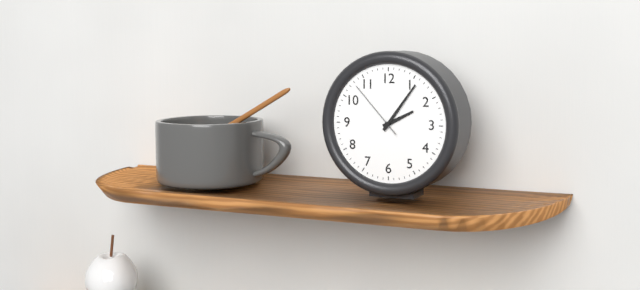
2,06,53
